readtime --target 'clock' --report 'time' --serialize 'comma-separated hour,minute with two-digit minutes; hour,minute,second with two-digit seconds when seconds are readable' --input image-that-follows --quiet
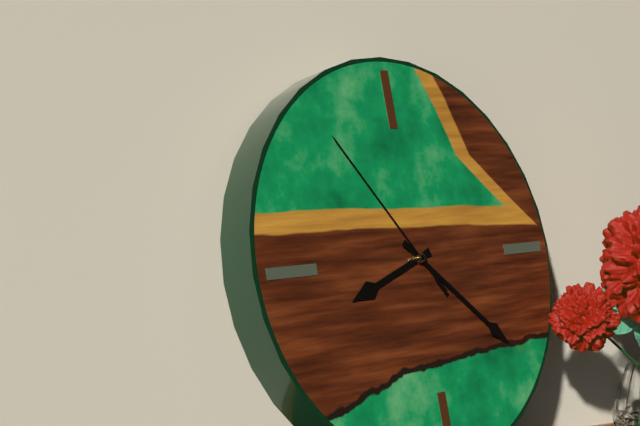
8,22,54
